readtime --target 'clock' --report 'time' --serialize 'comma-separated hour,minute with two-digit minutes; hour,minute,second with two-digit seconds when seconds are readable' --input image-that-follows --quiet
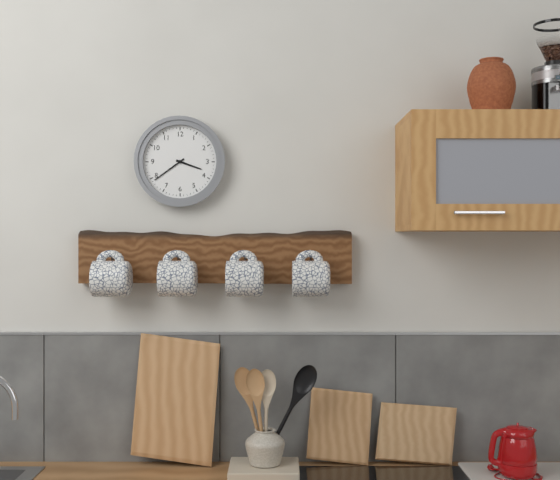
3,39
